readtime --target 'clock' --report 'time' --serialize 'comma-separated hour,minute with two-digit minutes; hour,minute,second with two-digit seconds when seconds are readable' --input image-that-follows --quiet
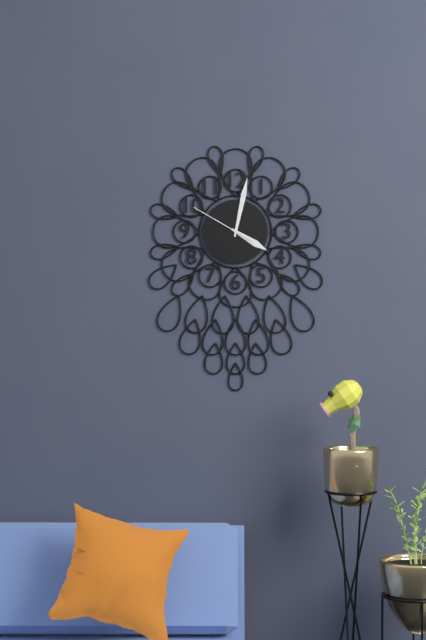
4,02,50
